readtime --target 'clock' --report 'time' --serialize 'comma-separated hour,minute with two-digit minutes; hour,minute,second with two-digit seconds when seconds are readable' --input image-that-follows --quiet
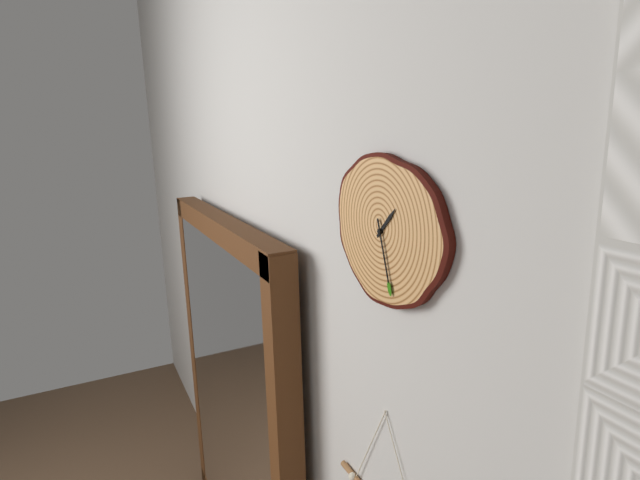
1,27
